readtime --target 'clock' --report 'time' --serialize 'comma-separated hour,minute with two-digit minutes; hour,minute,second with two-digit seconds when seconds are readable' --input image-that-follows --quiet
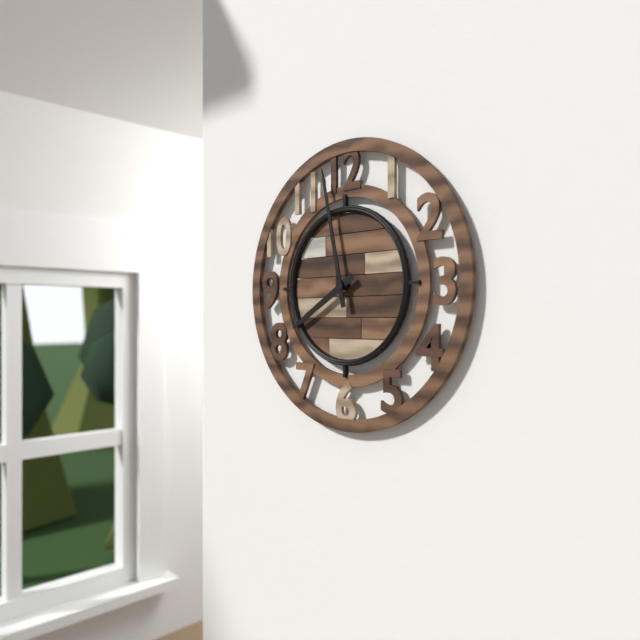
7,58
